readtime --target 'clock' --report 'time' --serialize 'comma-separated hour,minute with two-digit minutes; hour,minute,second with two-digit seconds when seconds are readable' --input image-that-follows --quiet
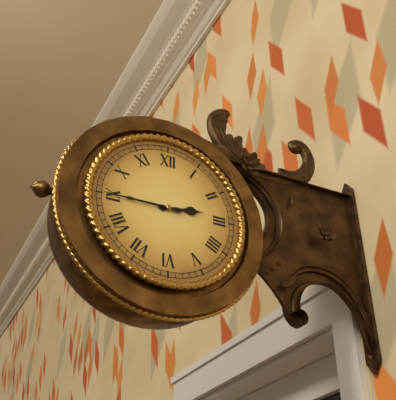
2,45
